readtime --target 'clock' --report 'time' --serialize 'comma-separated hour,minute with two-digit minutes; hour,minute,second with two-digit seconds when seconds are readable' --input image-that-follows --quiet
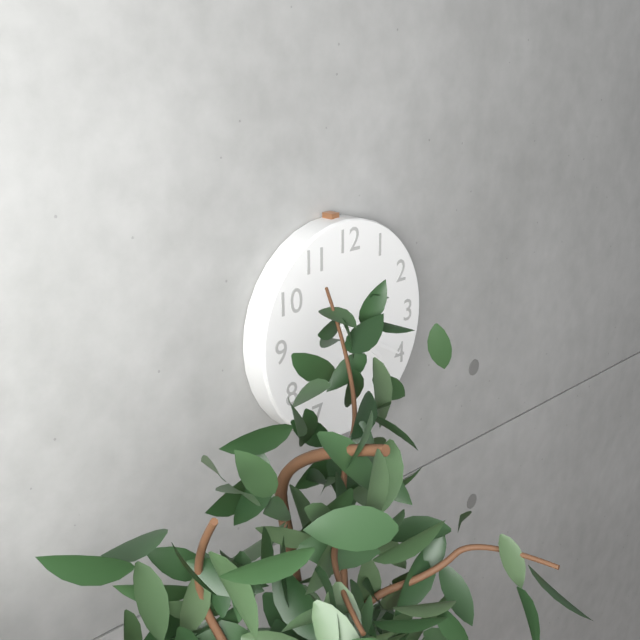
4,20
